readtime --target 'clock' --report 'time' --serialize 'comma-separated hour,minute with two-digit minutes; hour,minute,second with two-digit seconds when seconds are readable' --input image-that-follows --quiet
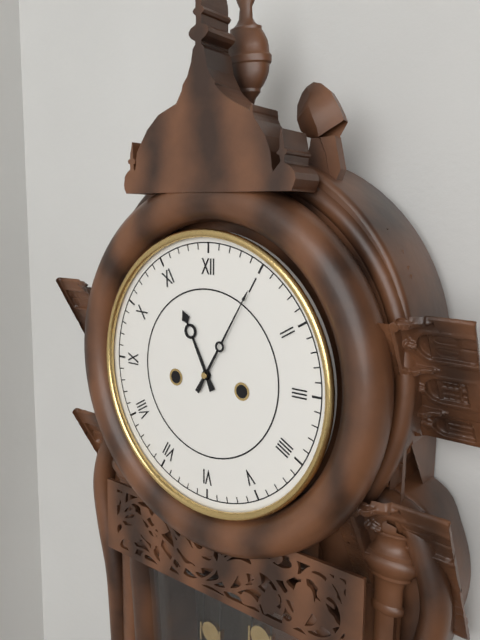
11,05
